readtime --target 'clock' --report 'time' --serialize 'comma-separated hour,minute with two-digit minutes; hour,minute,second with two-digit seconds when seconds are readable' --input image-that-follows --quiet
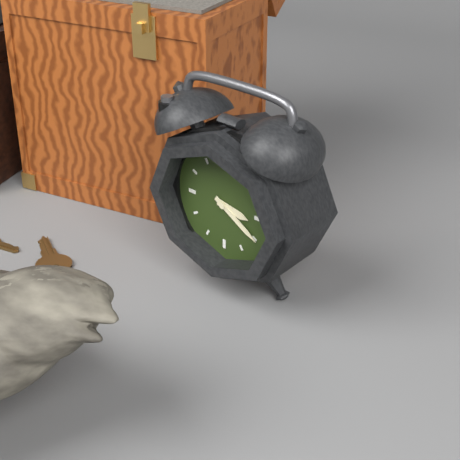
3,20
